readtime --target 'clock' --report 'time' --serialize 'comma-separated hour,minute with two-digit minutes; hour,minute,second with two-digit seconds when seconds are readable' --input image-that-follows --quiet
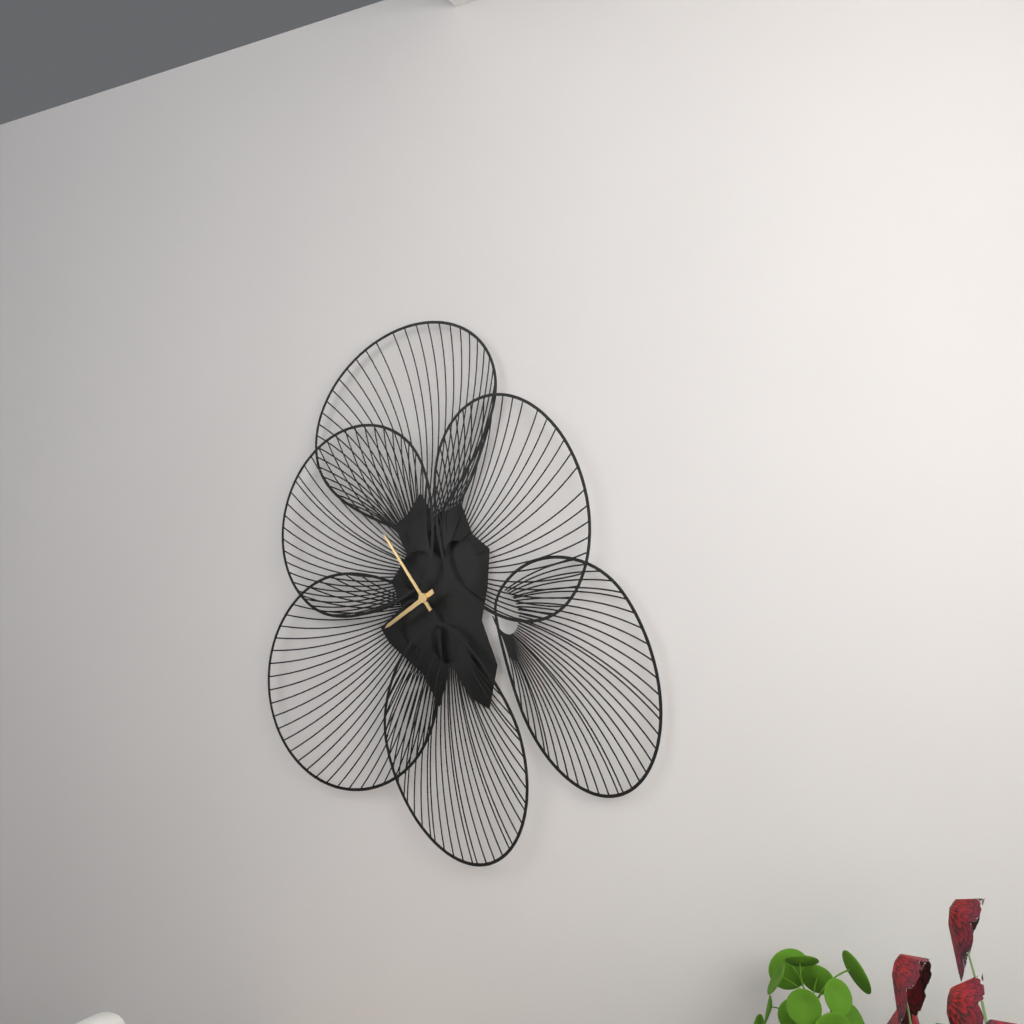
7,54
